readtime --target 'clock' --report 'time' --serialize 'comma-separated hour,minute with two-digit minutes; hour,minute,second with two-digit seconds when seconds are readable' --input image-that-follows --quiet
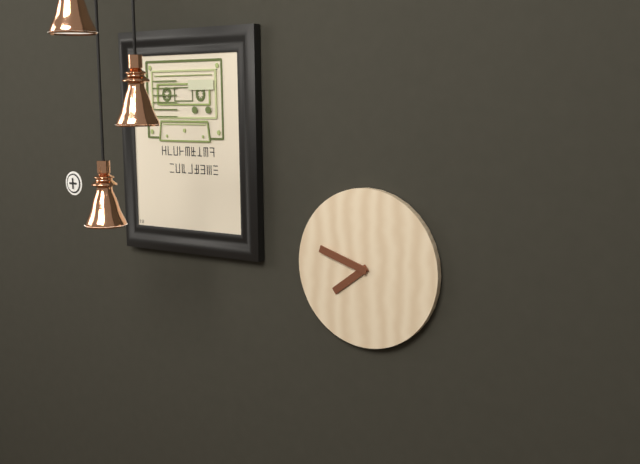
7,48
